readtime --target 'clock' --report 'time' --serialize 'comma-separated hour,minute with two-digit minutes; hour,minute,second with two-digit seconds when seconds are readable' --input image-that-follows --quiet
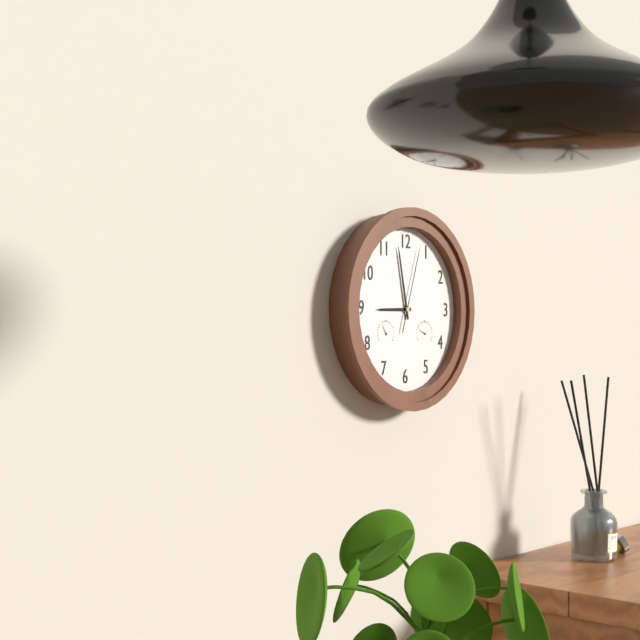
8,58,03
